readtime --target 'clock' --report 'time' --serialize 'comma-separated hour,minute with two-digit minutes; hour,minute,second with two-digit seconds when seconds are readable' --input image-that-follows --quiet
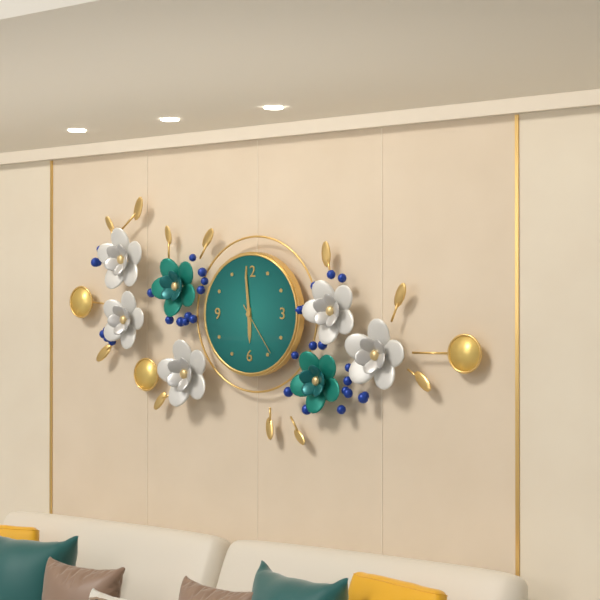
5,59,24
